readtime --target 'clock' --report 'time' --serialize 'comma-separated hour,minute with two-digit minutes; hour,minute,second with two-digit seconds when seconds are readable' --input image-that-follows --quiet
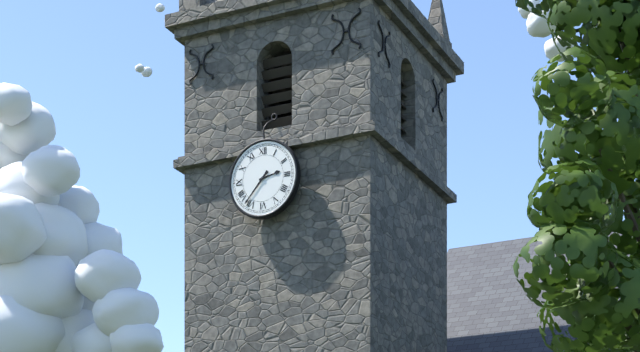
2,37
